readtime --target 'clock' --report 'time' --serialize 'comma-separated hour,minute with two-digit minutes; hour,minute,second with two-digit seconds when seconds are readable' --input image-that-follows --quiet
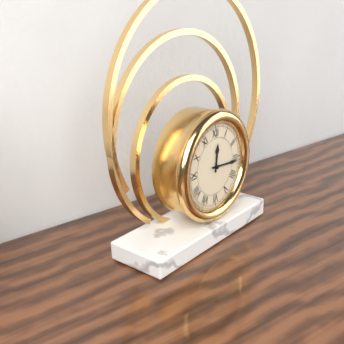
12,16
